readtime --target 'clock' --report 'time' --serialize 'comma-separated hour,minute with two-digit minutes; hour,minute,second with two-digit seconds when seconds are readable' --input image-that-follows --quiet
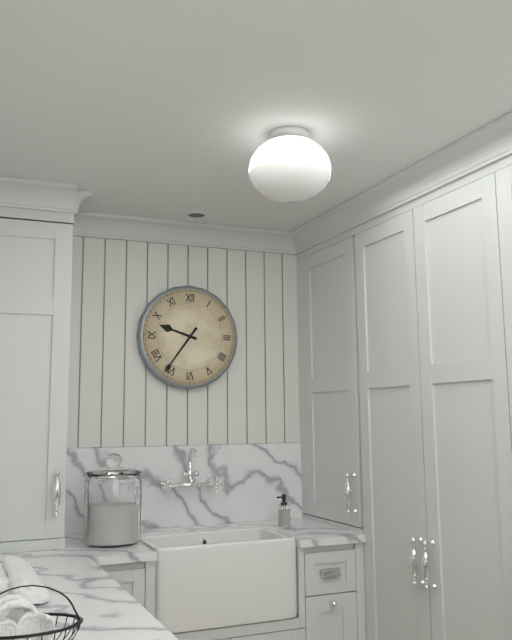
9,36
